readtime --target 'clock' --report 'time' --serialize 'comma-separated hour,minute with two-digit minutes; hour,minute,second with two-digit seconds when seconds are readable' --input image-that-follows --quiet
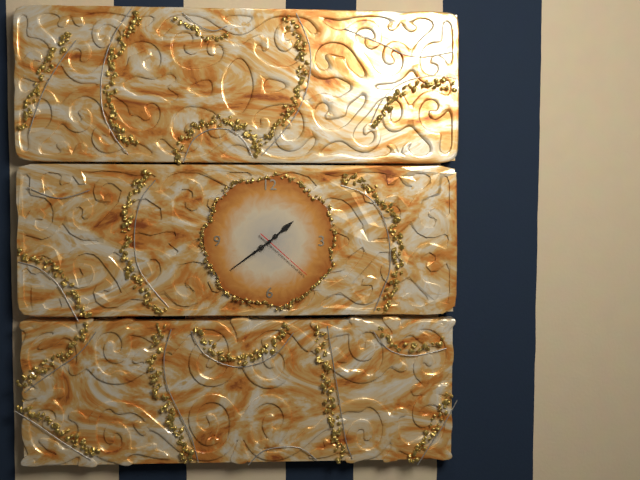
1,39,22
